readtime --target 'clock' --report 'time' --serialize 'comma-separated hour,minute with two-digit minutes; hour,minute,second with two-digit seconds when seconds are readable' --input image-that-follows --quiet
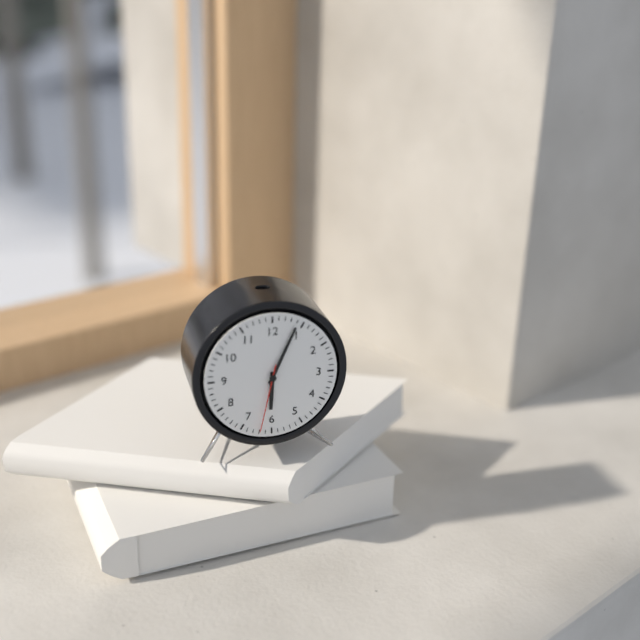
6,04,32
